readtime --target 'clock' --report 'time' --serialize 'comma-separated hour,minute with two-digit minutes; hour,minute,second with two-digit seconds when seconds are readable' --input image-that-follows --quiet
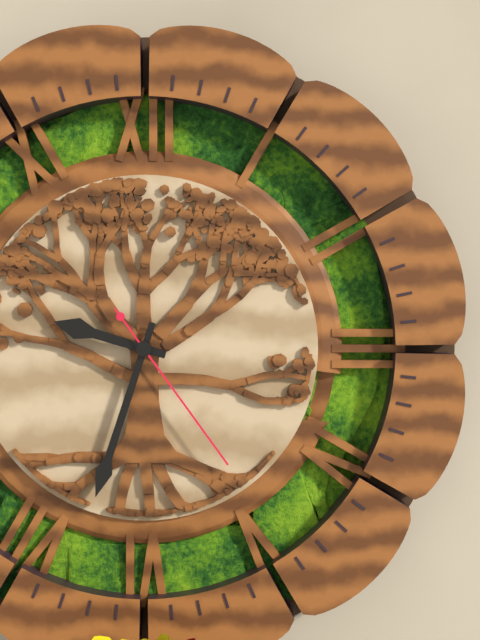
9,33,24
